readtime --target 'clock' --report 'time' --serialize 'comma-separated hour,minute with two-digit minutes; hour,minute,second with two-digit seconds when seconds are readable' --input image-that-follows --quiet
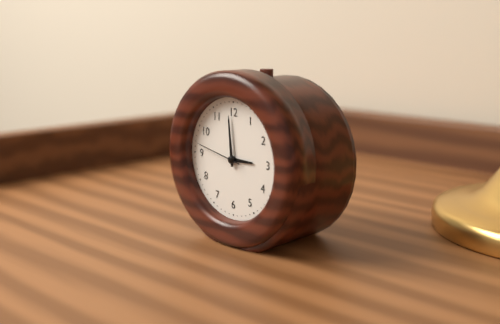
2,59
